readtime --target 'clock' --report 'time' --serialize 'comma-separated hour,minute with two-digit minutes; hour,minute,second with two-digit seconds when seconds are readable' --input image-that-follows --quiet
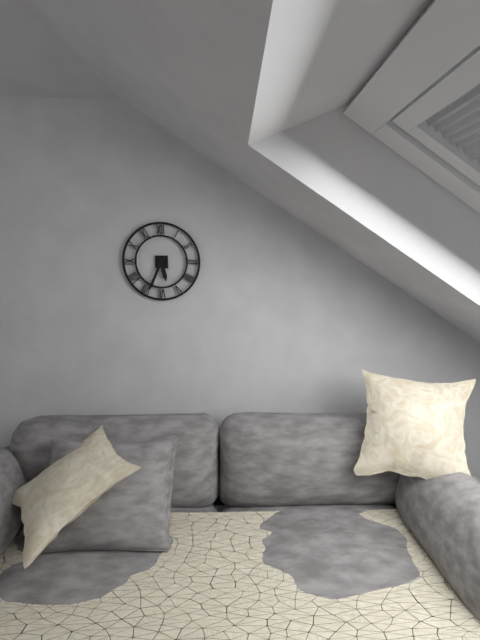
5,34
